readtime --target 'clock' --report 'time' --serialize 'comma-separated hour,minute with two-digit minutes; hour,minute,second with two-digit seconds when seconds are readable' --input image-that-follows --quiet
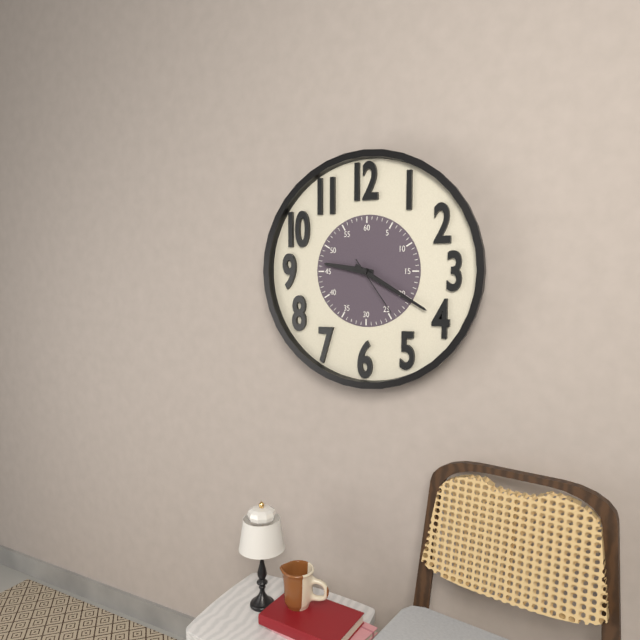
9,20,24
